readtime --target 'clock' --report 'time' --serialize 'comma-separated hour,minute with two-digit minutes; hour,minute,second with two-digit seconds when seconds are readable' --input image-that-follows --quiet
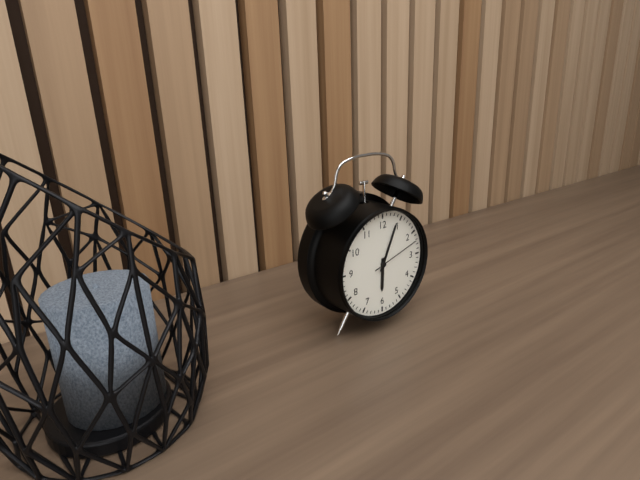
6,04,12
